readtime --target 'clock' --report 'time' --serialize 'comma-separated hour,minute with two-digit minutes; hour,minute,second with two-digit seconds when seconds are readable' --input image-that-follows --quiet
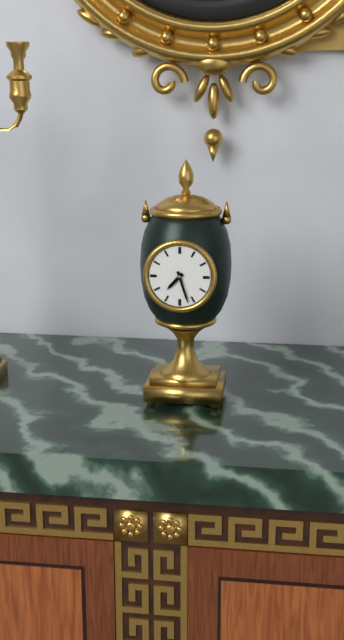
7,27
